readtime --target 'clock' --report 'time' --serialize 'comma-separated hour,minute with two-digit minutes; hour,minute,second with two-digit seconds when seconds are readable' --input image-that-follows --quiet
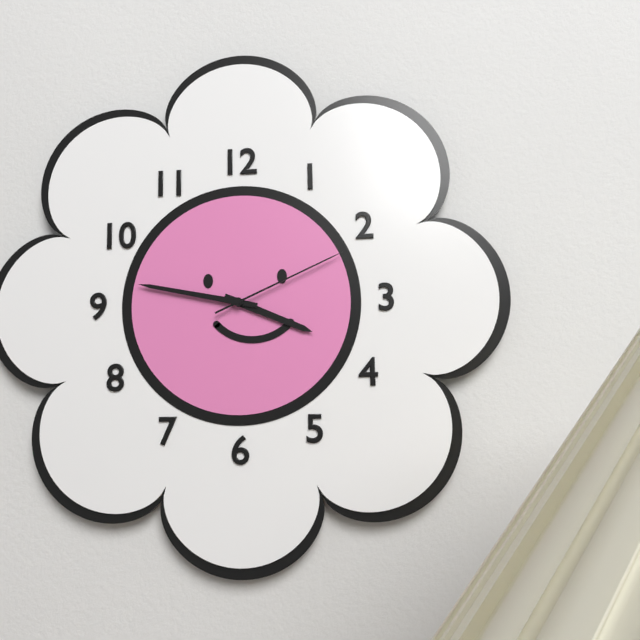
3,47,11
